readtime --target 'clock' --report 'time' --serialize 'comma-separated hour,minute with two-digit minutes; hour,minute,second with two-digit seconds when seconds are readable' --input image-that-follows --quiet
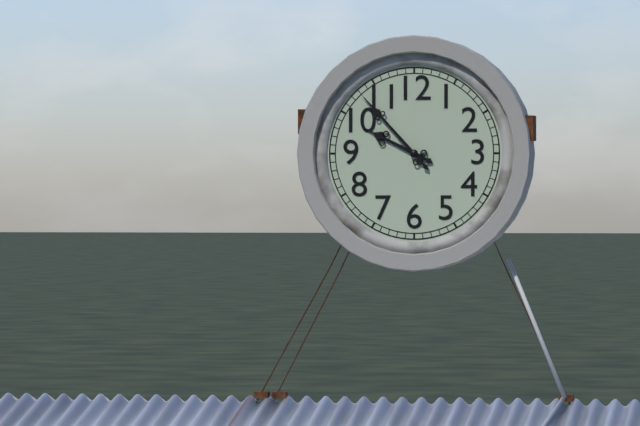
9,53
